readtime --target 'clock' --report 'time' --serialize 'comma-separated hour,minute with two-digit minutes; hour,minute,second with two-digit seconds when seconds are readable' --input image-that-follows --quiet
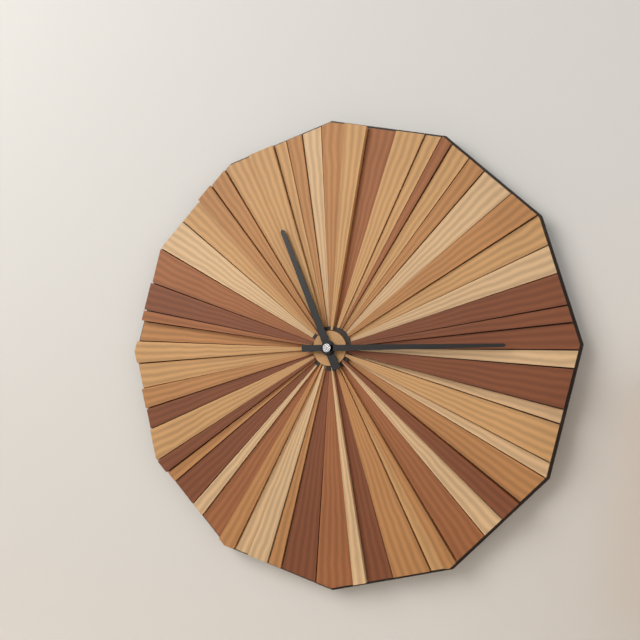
11,15
